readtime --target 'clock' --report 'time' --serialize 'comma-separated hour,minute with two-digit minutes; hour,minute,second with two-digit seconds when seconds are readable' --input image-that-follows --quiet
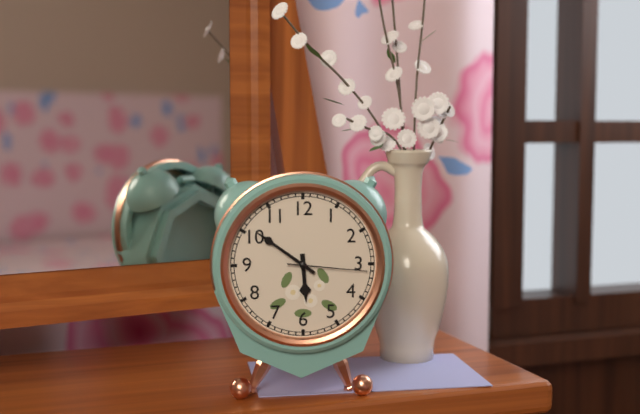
5,51,16
